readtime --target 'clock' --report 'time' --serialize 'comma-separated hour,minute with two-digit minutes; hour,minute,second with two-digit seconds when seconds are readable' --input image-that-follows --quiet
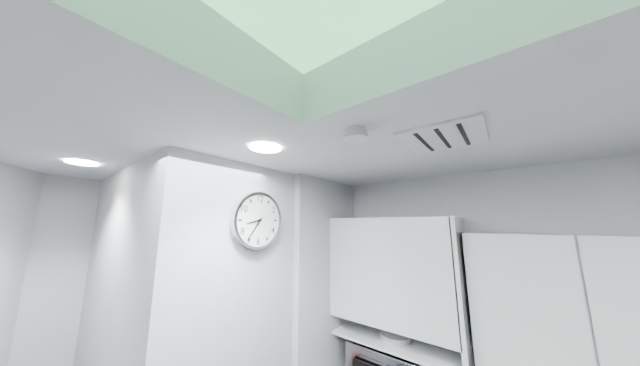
8,36
